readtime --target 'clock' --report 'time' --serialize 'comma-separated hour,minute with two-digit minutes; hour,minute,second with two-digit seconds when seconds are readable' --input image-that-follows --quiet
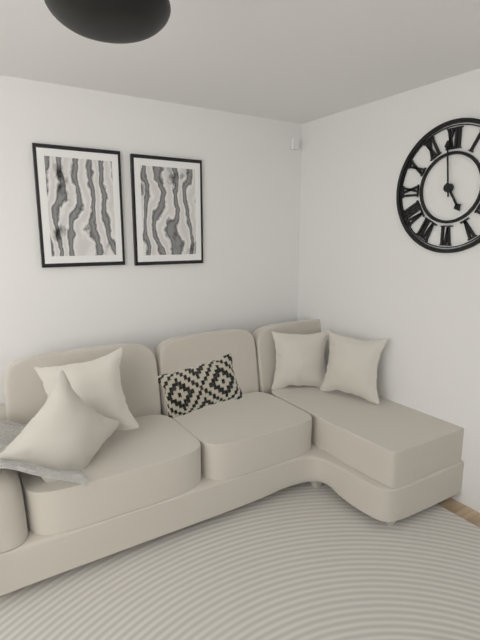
4,59
